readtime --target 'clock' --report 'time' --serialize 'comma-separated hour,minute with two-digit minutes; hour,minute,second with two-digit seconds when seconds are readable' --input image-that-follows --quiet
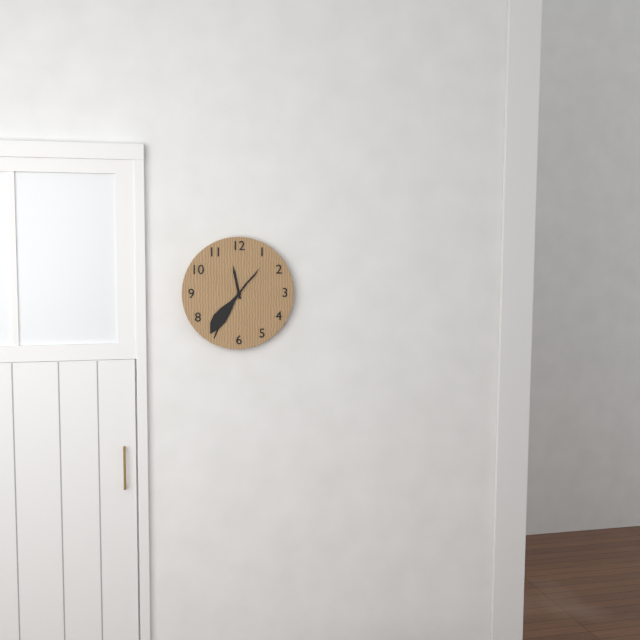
11,36
